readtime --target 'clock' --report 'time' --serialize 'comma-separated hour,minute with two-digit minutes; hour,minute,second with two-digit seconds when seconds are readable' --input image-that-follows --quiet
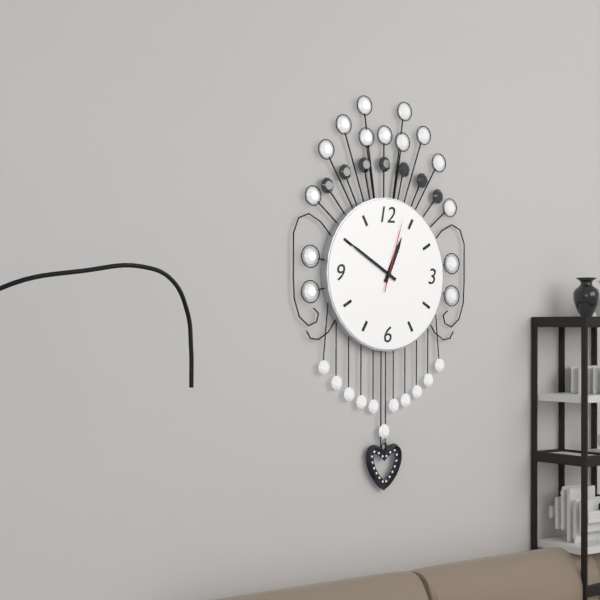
12,50,03
